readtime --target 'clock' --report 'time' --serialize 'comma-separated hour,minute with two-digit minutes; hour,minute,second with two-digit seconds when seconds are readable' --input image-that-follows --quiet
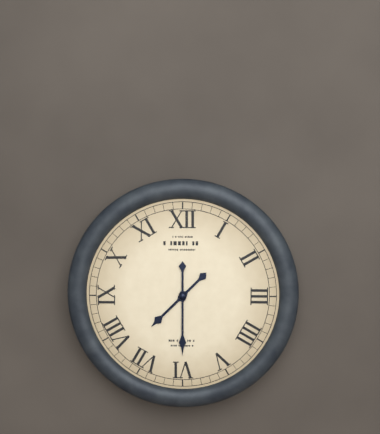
7,30
